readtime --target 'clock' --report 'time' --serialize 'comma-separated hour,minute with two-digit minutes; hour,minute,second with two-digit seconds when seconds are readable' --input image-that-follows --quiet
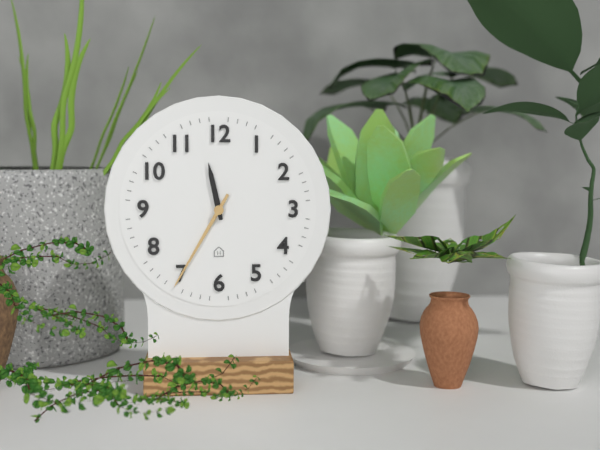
11,35
